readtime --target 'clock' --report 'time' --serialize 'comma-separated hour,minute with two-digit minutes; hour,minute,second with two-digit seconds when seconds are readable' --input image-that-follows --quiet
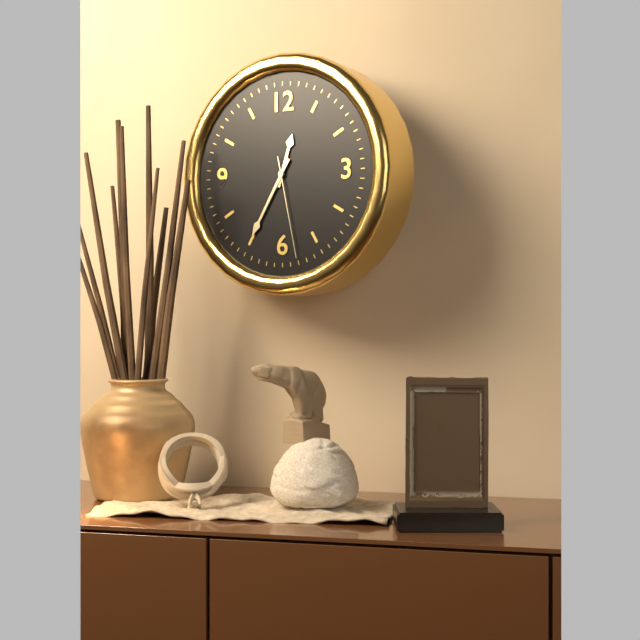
12,35,28
